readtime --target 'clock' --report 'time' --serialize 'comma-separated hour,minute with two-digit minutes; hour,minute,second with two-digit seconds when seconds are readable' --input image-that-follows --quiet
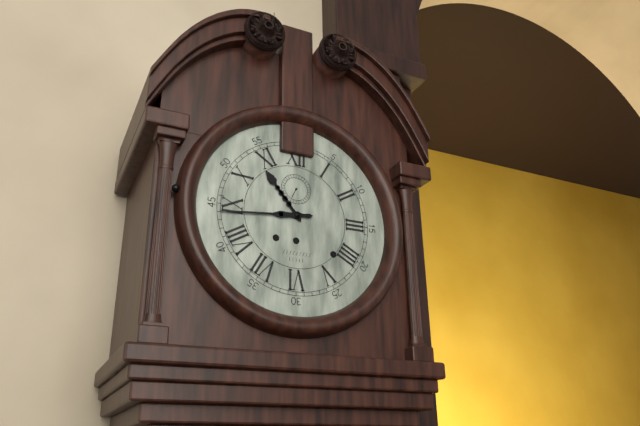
10,44
